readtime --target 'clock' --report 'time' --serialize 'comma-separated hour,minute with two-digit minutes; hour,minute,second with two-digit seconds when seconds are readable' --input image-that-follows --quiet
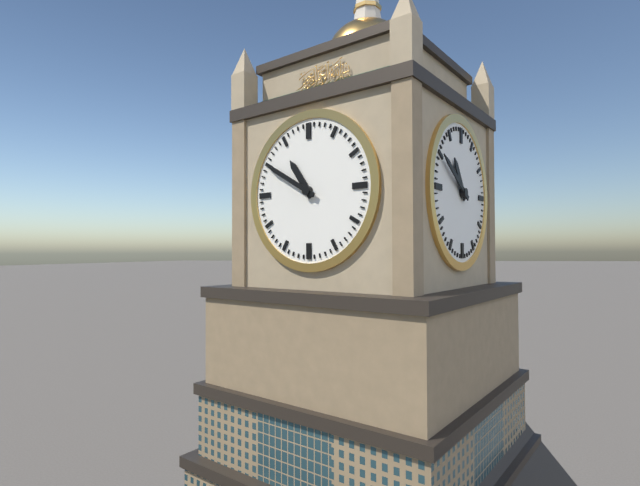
10,50
